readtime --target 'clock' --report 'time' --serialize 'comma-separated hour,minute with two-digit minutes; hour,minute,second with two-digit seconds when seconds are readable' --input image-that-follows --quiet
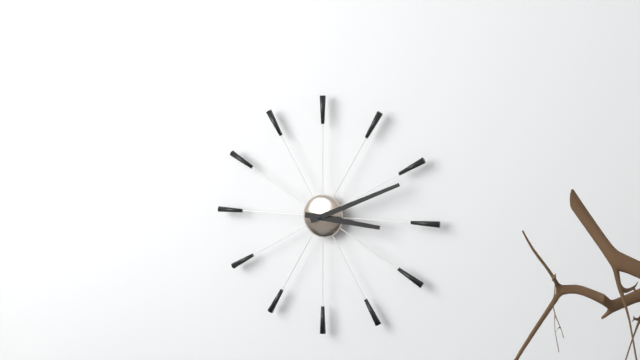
3,11
